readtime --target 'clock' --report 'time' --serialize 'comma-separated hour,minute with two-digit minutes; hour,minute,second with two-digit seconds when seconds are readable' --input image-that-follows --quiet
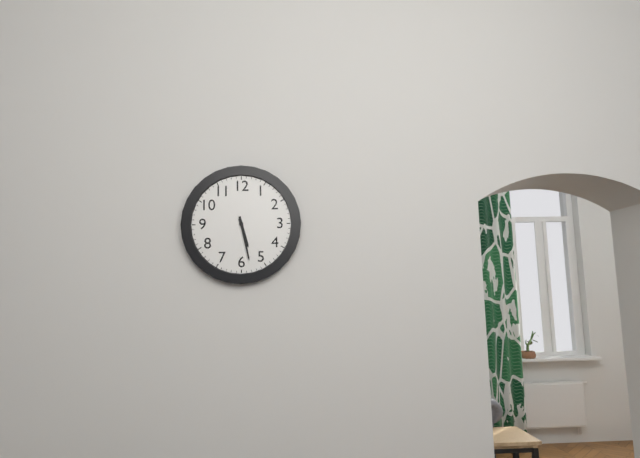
5,28
